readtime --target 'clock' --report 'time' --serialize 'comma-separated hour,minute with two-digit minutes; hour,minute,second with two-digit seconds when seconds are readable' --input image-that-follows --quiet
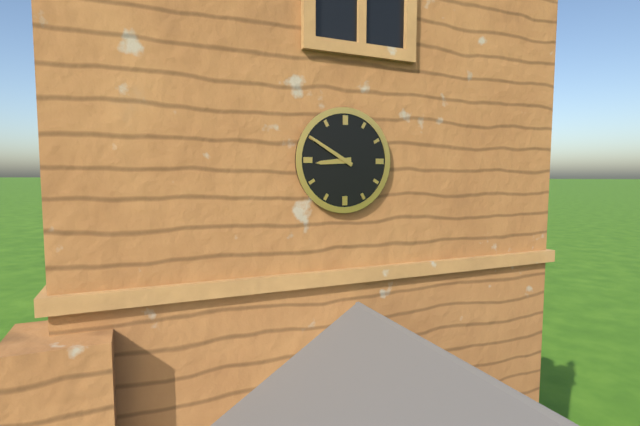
8,50
